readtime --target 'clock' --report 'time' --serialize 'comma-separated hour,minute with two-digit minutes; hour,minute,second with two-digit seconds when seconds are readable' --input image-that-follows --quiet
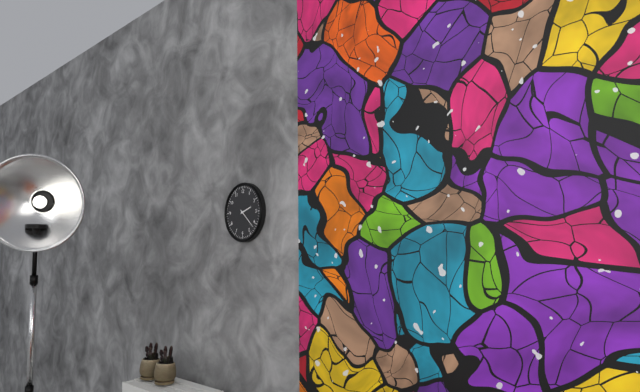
2,22
